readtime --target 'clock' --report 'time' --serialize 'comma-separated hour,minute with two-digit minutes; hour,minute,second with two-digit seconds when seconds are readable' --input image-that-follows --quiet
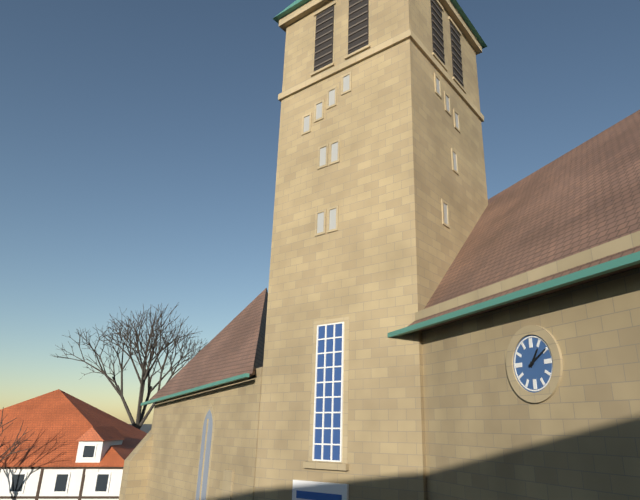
1,10
